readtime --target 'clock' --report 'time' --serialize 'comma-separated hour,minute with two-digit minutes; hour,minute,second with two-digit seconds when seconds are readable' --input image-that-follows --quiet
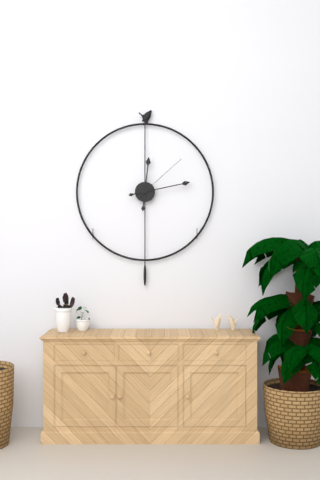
12,13,08
